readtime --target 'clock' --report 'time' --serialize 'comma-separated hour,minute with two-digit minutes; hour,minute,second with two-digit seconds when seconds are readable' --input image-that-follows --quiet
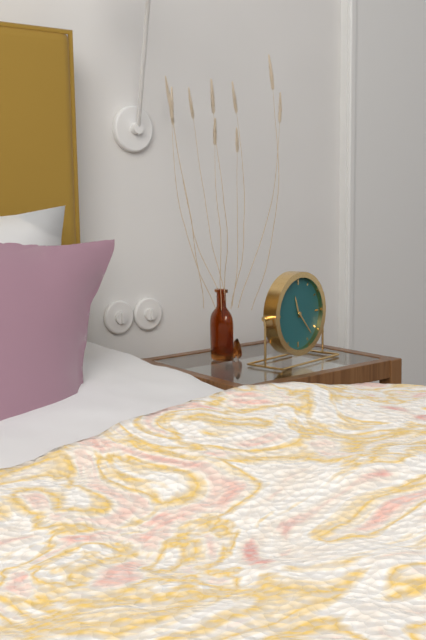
11,23
